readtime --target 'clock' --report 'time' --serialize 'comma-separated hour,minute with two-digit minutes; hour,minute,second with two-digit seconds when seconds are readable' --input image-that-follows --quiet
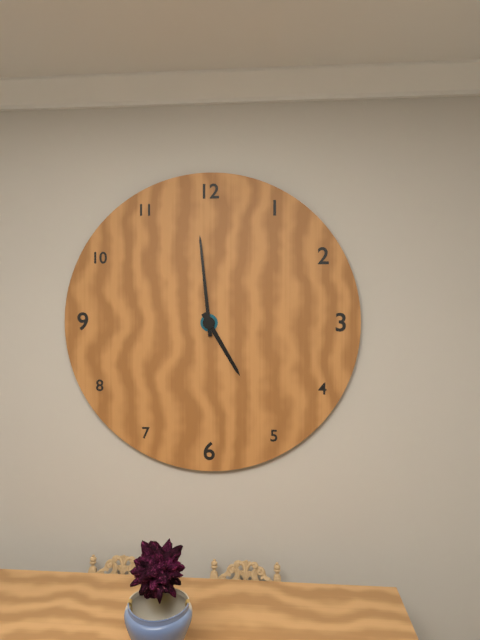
4,59
